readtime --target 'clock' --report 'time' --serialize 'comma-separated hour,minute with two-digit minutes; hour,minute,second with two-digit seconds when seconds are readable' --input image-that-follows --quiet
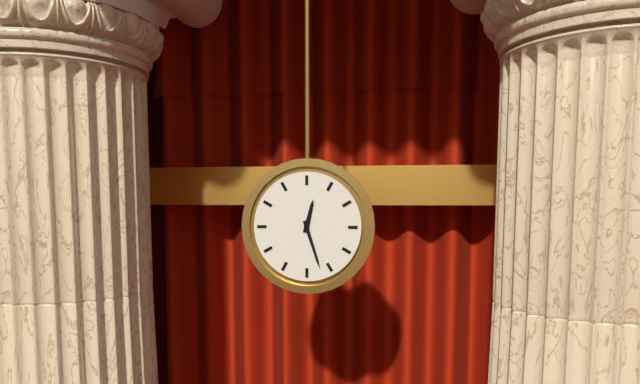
12,27
